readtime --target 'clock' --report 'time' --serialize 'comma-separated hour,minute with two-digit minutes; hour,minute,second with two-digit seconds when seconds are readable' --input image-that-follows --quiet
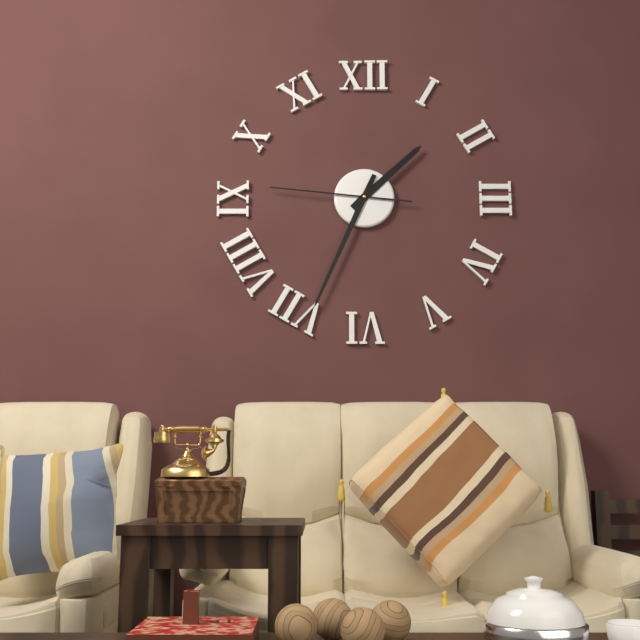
1,34,46
